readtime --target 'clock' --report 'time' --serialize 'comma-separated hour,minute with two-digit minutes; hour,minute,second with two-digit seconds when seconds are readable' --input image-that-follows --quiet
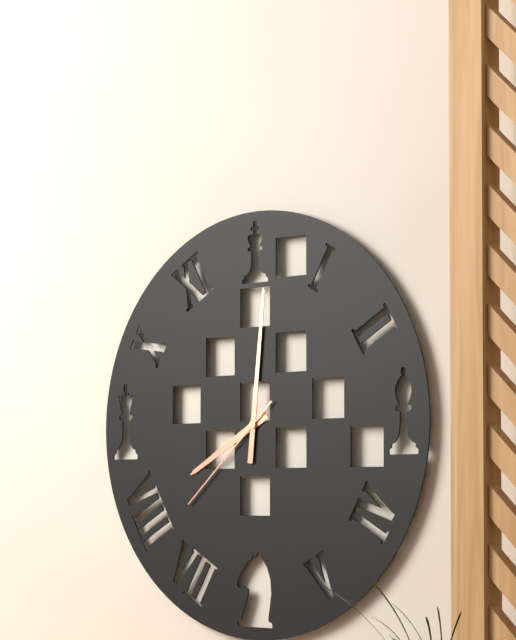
8,01,38
